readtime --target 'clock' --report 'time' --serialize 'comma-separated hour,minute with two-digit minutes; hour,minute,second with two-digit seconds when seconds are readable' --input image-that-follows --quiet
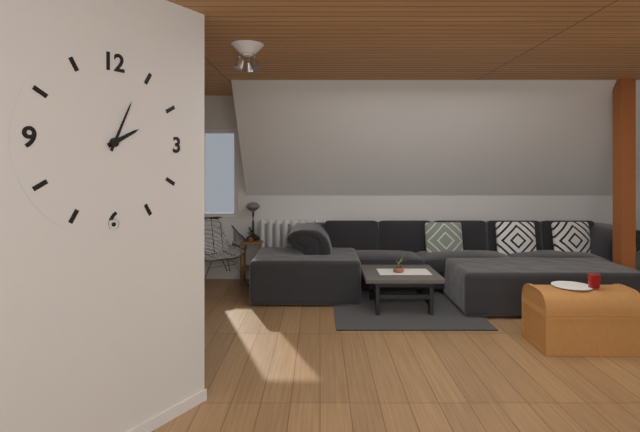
2,04
